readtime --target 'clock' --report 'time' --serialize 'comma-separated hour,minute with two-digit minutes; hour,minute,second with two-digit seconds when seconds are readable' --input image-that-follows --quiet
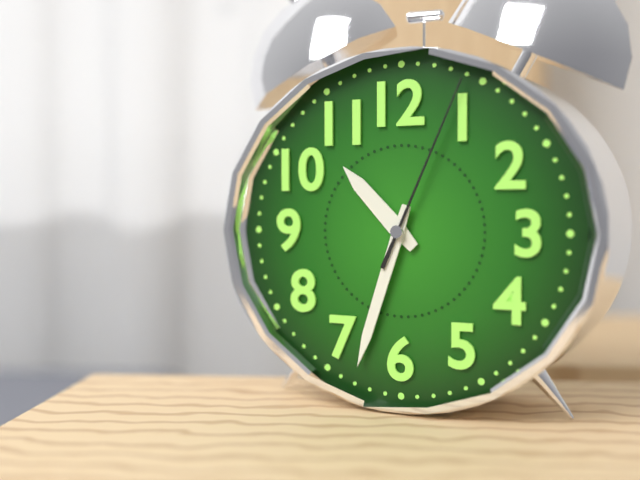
10,33,04
